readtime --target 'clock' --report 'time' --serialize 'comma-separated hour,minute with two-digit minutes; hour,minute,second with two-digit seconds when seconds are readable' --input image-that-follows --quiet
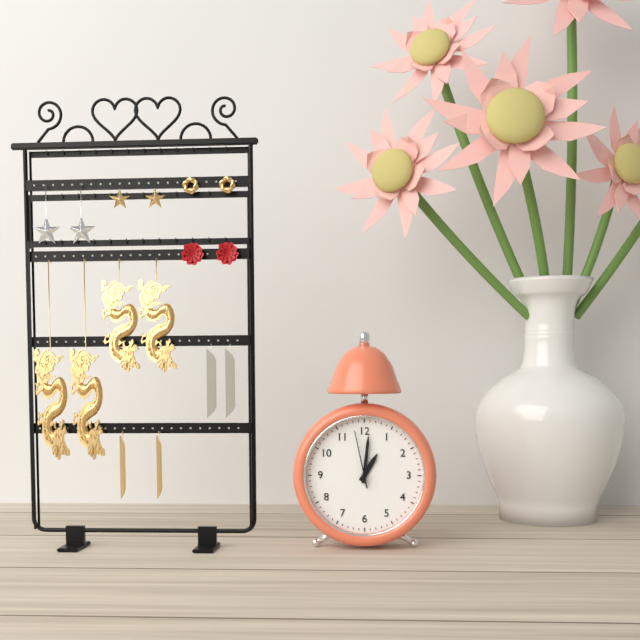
1,01,58
